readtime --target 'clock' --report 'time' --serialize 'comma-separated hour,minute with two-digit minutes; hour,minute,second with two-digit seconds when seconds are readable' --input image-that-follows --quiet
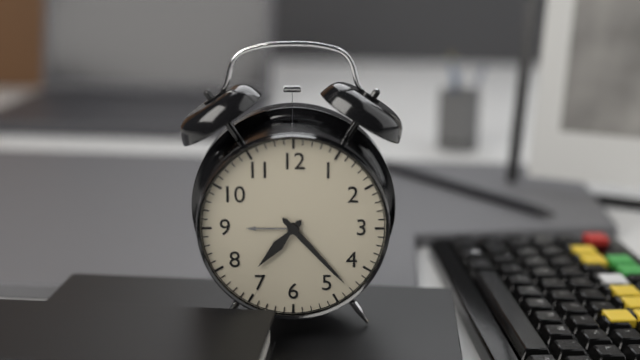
7,23
